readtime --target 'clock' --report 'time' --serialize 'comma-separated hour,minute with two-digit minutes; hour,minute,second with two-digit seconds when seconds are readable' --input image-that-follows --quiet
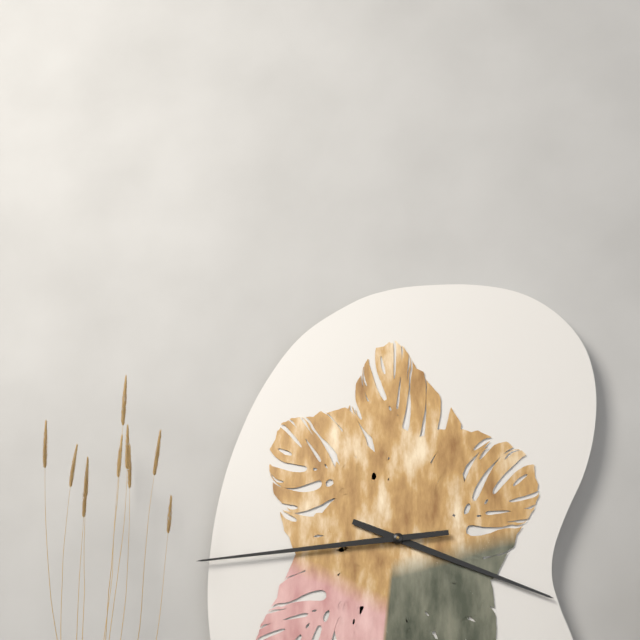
3,44
